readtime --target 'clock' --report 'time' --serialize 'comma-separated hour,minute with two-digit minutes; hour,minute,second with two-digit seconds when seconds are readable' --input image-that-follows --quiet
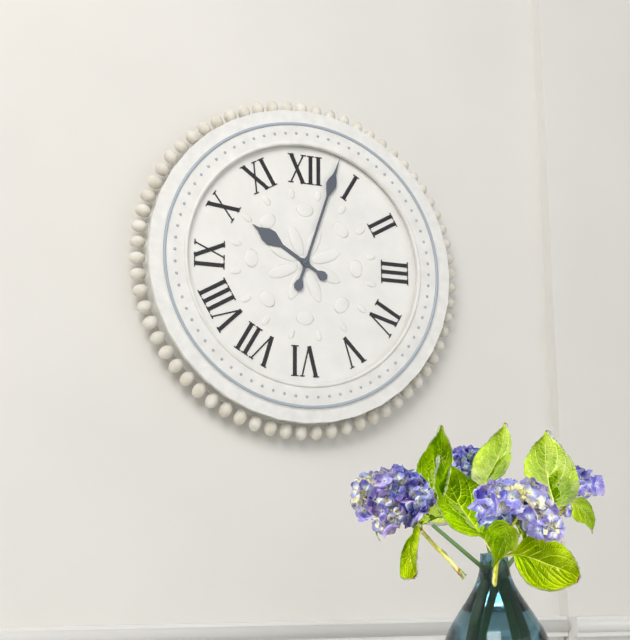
10,03
